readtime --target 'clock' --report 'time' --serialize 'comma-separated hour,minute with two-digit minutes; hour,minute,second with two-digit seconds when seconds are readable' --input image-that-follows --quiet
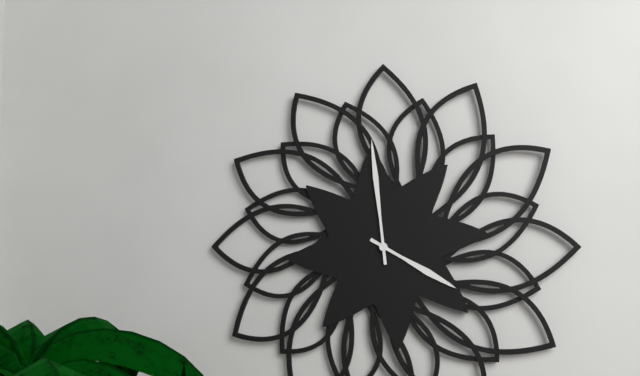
3,59
